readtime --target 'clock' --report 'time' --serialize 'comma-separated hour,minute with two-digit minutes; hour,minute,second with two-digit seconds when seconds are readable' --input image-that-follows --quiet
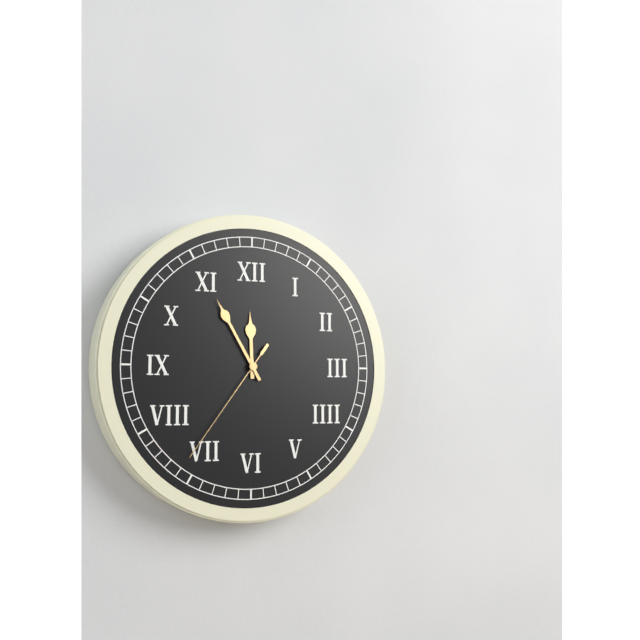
11,55,36
